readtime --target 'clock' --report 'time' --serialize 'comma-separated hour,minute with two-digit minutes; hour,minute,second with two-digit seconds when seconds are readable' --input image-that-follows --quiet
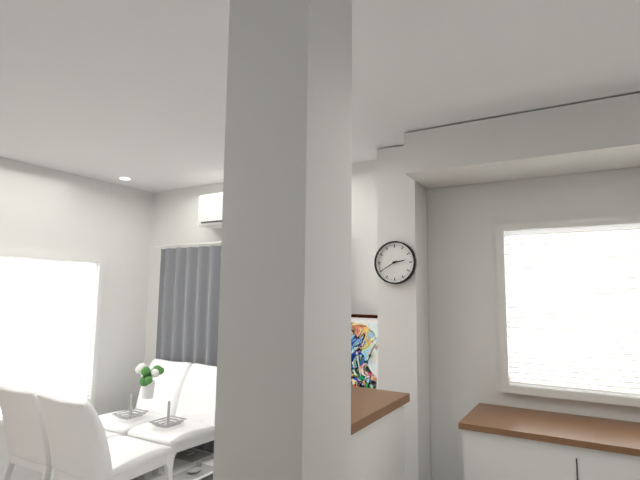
2,40
